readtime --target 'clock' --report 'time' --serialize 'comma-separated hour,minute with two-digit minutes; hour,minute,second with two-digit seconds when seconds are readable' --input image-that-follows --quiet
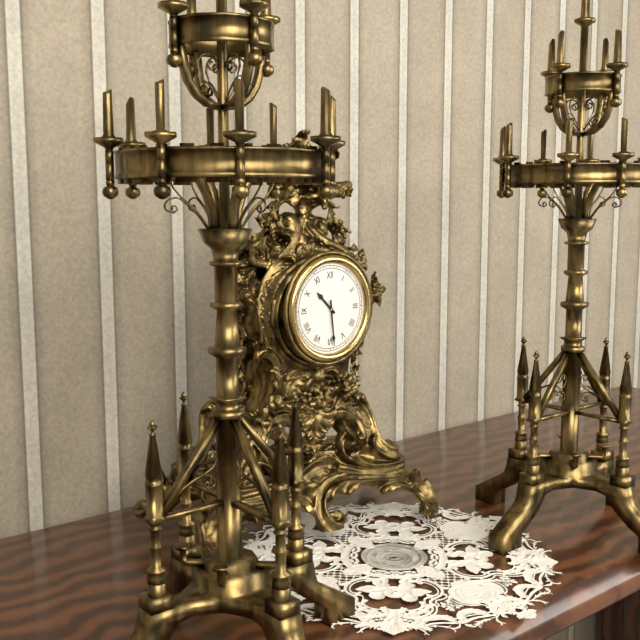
10,29
